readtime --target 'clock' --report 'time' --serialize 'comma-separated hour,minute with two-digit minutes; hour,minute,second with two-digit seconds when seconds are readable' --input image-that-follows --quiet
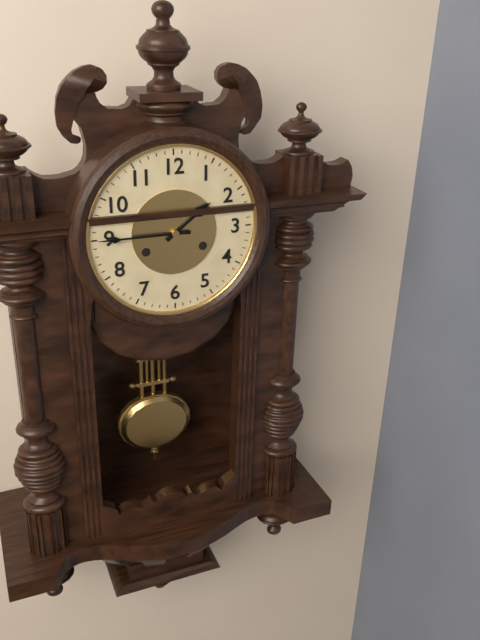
1,45
